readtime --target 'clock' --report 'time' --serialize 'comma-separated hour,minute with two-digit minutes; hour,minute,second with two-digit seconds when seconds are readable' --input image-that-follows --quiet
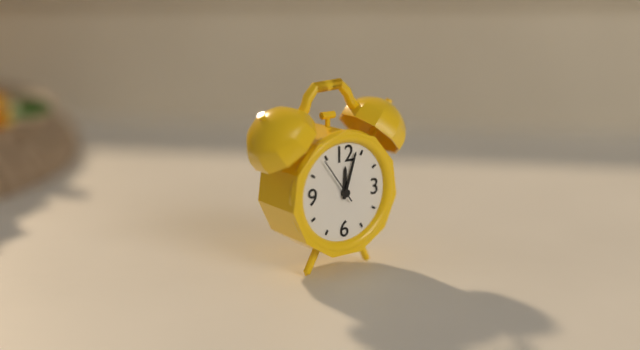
12,03
